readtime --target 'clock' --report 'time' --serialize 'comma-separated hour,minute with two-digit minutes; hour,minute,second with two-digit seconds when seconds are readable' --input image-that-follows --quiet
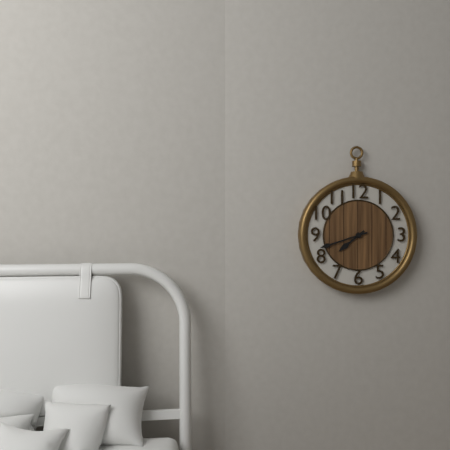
7,42
